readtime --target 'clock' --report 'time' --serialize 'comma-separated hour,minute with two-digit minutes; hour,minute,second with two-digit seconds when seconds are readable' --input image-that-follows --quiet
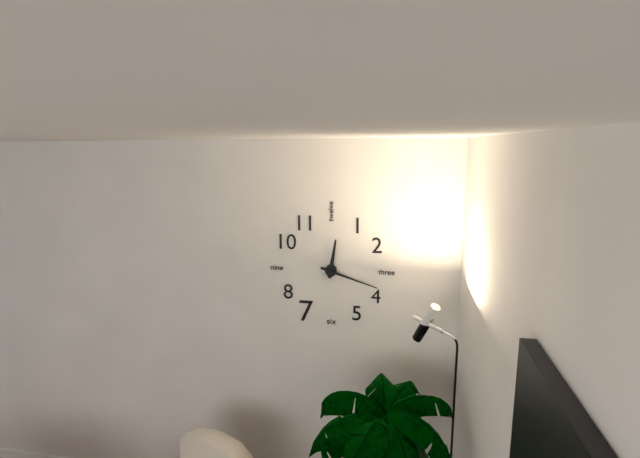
12,18
